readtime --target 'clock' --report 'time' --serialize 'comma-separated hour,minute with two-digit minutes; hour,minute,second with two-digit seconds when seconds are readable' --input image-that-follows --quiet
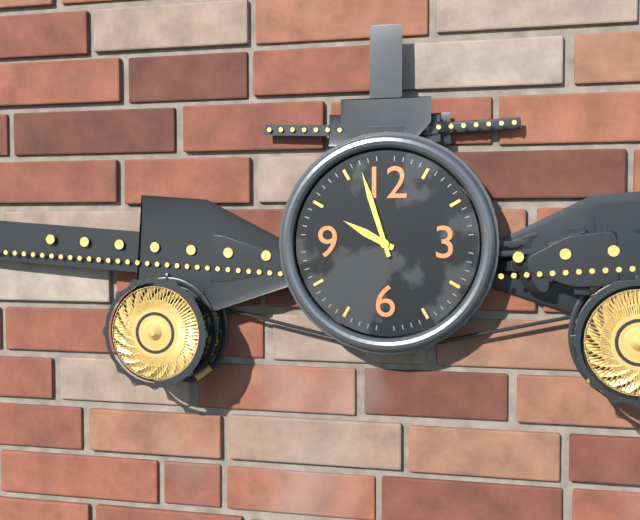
9,57
